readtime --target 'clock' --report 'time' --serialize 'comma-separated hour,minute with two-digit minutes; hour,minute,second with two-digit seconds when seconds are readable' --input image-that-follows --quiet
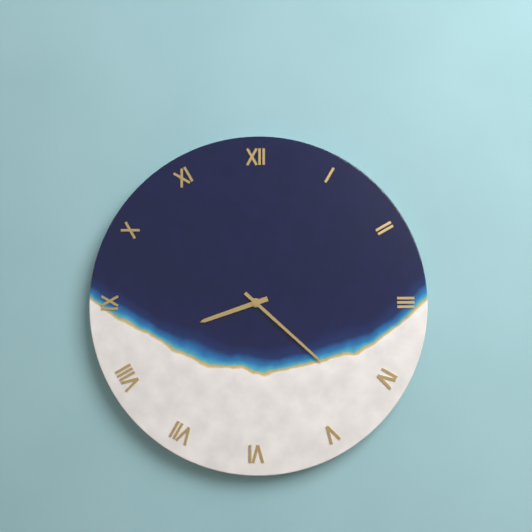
8,22
